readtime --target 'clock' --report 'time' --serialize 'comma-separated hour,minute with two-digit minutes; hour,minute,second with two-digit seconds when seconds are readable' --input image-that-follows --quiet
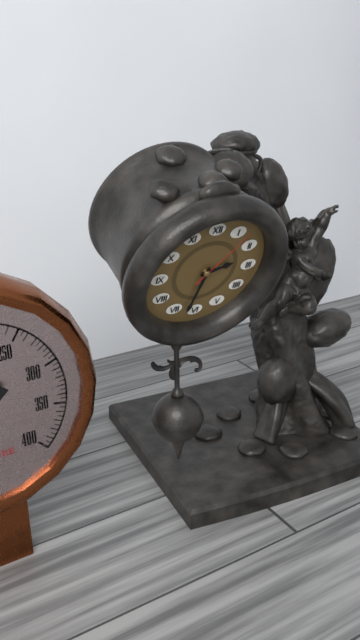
2,32,07
